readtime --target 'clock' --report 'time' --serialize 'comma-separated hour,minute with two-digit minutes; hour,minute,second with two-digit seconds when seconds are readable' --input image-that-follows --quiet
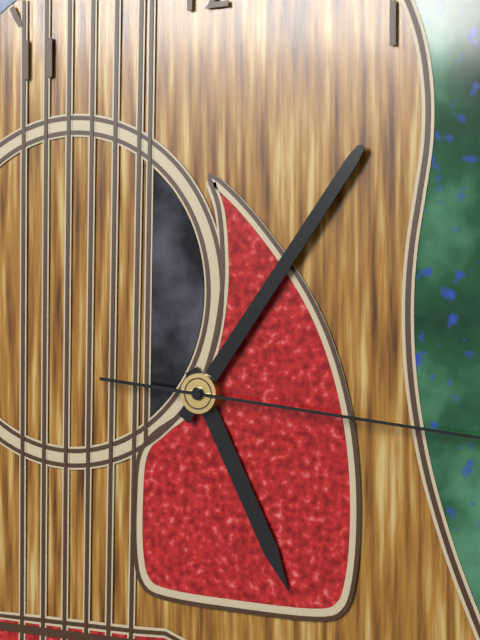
5,06
